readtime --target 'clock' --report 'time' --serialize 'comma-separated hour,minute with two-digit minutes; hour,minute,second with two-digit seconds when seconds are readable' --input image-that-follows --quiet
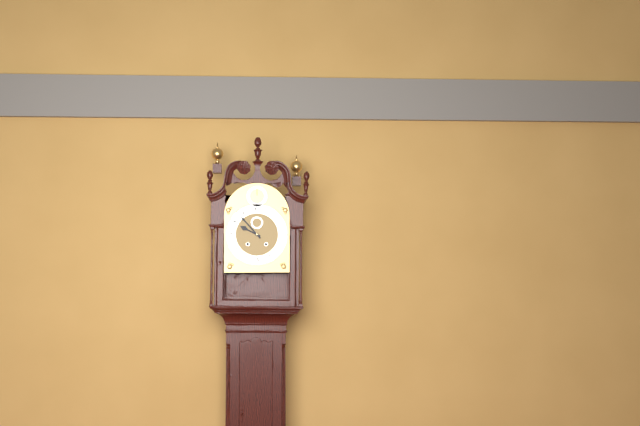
9,53
